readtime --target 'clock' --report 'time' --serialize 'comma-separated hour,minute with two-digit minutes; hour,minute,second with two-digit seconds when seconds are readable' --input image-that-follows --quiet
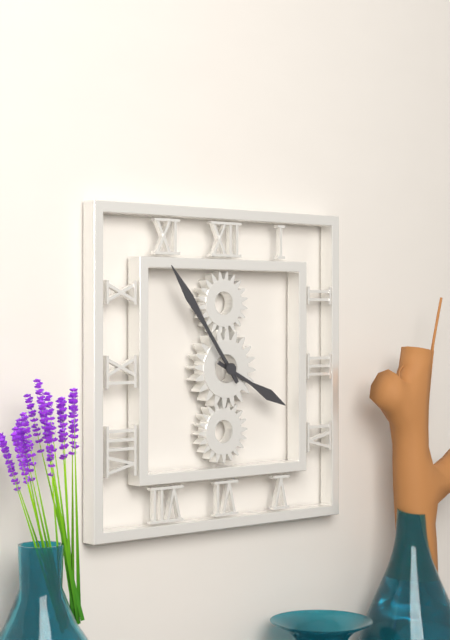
3,54
